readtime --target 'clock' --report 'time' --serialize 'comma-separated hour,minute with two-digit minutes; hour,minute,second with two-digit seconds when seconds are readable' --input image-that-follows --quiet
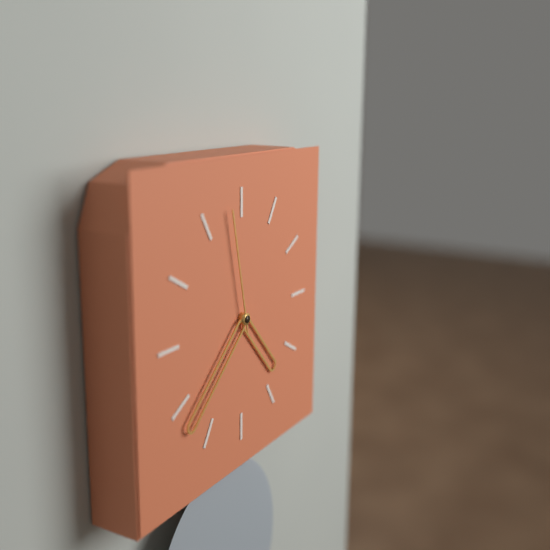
4,38,58
